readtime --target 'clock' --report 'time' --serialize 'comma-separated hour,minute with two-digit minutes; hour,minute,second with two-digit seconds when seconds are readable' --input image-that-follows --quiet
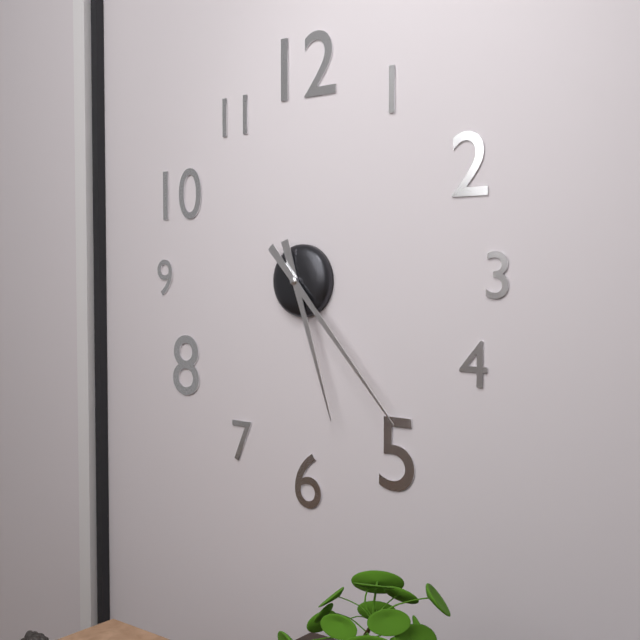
5,23
